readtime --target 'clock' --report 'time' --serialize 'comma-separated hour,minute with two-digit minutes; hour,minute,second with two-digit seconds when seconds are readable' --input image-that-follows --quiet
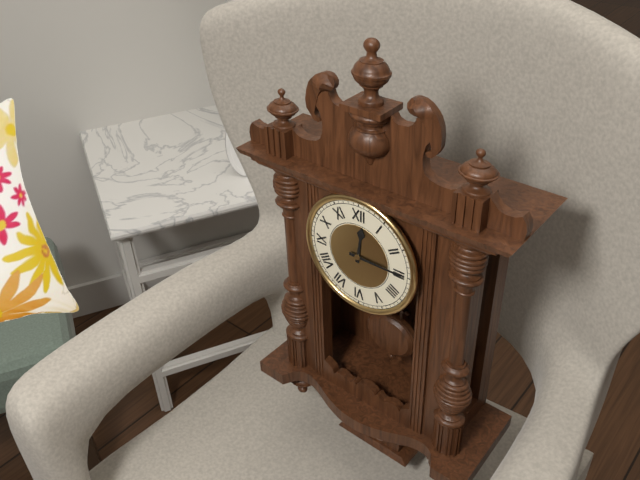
12,15
